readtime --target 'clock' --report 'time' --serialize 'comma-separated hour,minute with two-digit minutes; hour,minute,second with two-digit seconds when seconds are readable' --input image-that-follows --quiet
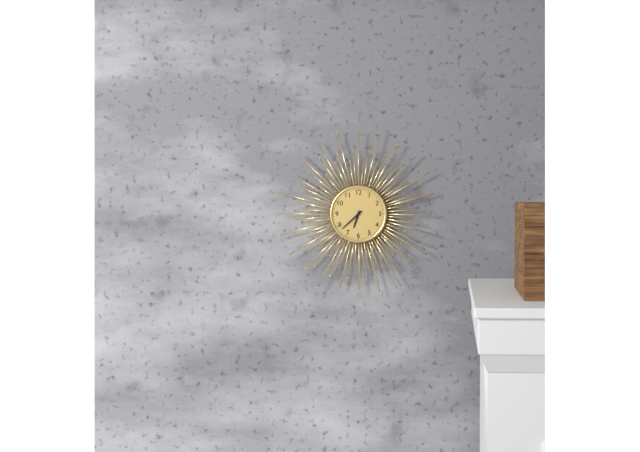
6,38
